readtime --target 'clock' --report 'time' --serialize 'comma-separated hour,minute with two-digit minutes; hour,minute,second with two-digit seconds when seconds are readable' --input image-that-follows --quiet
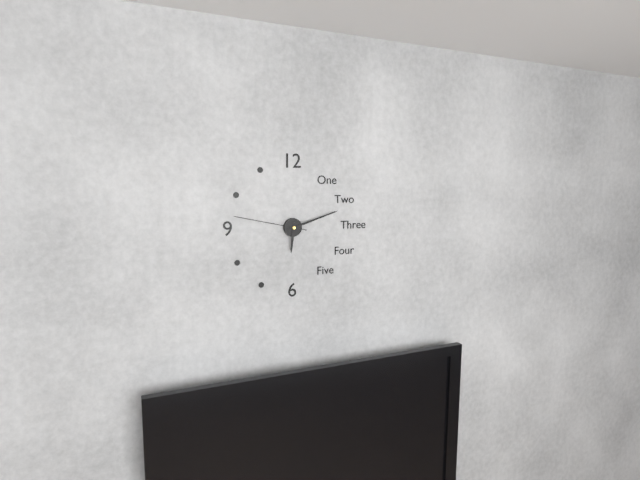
6,12,47
